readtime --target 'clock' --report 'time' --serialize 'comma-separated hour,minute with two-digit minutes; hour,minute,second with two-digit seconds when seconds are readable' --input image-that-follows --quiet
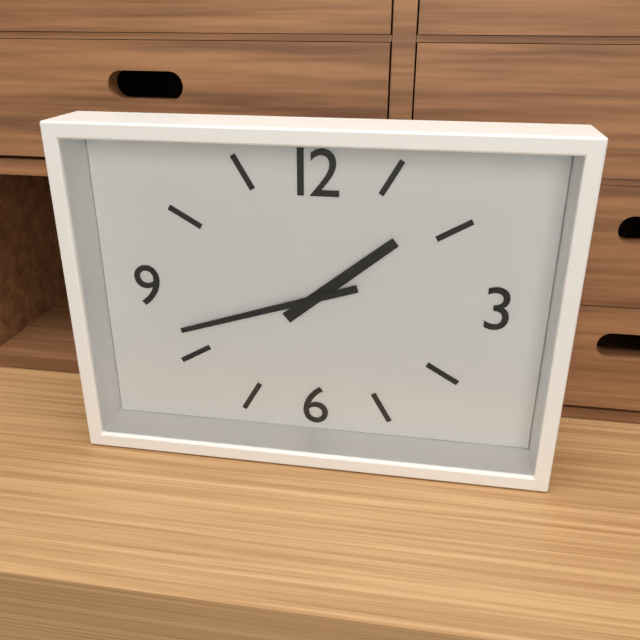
1,42
